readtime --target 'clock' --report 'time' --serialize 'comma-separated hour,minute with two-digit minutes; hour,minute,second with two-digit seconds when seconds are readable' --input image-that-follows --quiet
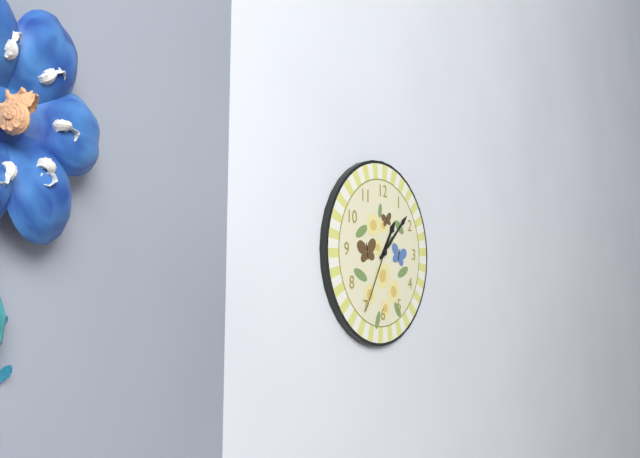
1,08,35
